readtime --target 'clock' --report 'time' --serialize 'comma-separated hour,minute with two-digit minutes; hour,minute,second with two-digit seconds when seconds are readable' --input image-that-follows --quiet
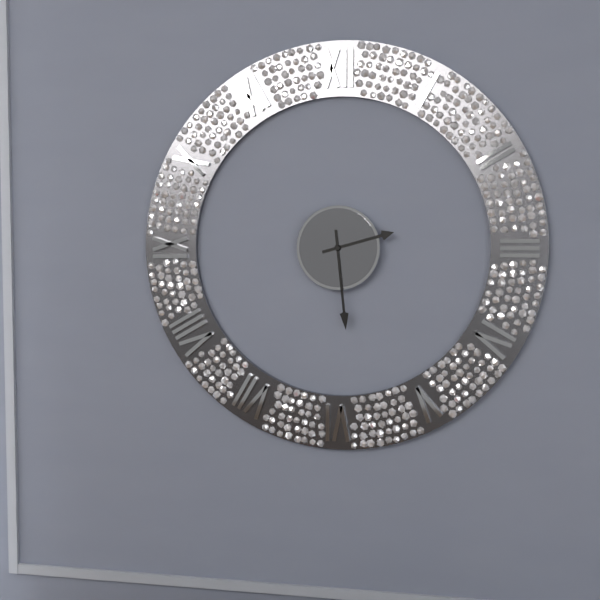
2,29
